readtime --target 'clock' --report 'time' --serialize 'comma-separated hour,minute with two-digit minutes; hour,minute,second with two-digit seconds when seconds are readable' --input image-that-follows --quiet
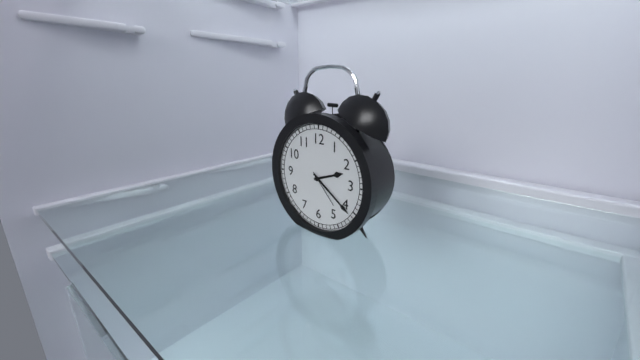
2,21
